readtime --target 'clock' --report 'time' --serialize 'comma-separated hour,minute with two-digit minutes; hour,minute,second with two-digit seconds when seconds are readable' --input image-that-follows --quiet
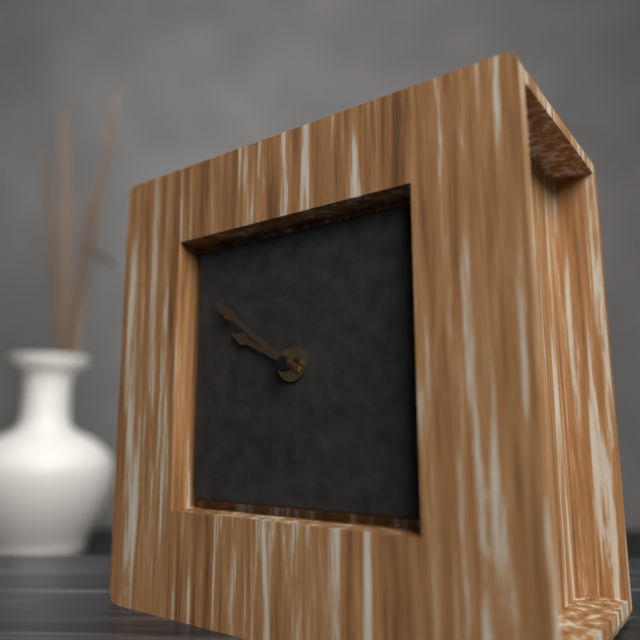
9,51
